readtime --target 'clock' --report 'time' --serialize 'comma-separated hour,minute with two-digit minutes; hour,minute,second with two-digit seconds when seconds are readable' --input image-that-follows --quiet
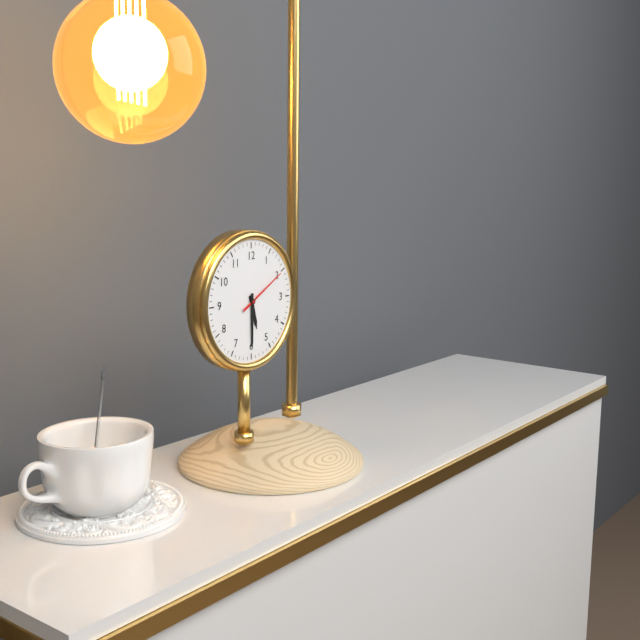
5,30
